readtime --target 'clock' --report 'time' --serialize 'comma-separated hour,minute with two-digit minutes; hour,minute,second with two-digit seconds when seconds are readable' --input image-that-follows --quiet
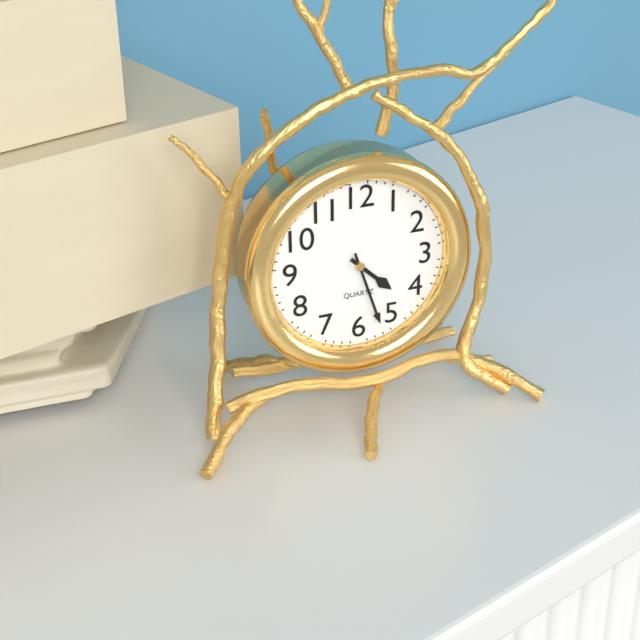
4,27
